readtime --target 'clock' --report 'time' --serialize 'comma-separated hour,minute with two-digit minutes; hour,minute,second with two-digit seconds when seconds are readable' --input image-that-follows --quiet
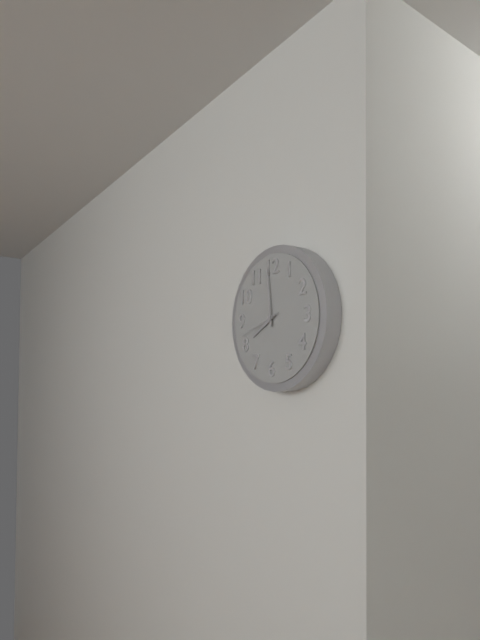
7,59
